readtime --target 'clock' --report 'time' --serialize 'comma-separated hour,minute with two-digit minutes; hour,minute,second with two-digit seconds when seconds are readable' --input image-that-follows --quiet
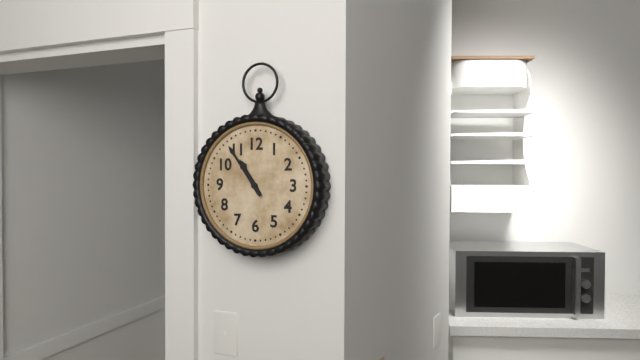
10,54
